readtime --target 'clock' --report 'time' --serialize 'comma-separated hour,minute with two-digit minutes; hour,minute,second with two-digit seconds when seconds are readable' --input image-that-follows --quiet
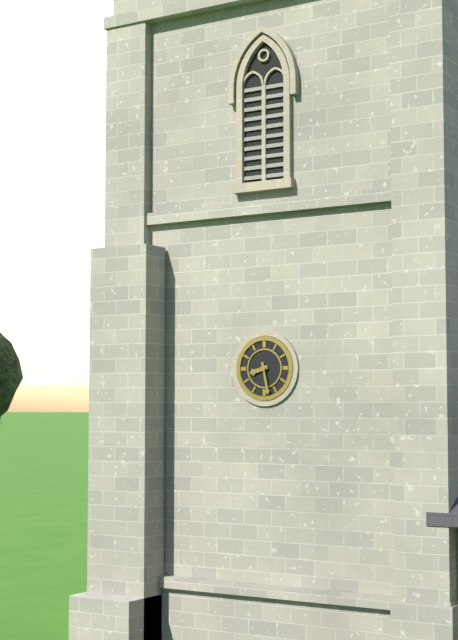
8,28
